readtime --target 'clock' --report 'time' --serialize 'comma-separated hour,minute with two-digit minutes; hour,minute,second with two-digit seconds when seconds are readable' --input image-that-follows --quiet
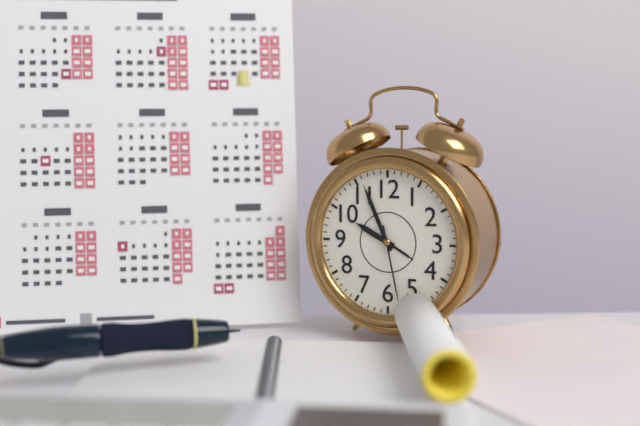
9,56,28
